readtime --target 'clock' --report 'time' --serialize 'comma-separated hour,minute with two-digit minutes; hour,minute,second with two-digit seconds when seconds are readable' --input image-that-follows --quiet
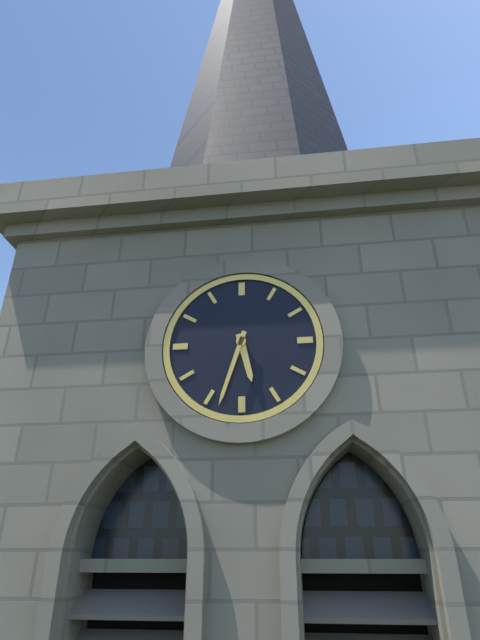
5,33
